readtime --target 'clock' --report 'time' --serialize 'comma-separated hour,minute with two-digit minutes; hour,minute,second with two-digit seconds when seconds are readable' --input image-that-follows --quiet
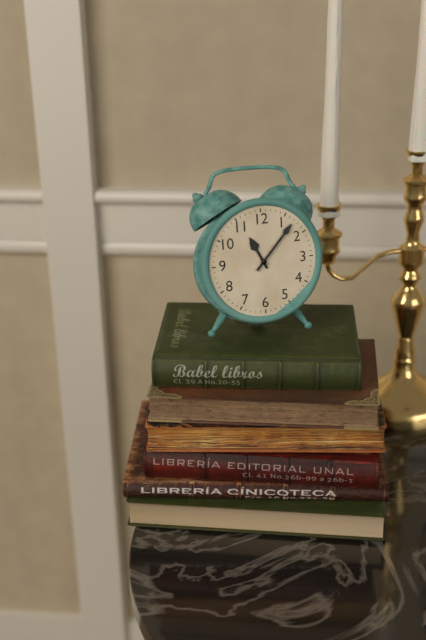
11,07
